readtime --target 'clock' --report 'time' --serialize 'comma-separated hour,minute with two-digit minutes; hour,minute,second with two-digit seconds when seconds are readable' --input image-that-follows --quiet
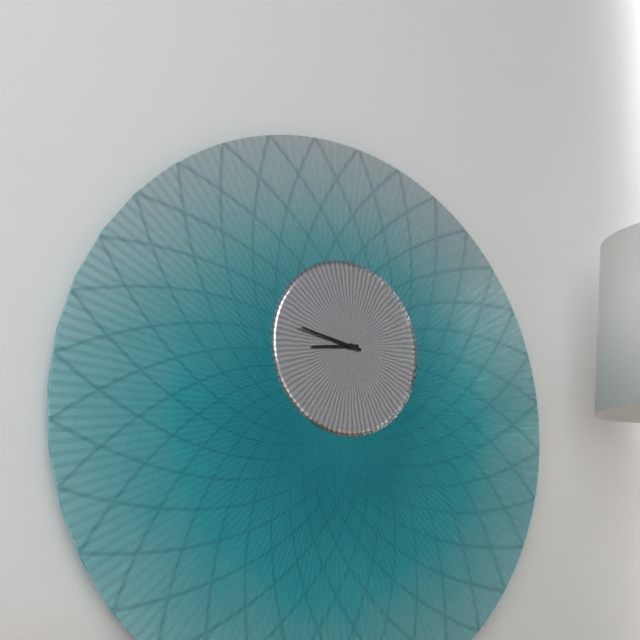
8,47
